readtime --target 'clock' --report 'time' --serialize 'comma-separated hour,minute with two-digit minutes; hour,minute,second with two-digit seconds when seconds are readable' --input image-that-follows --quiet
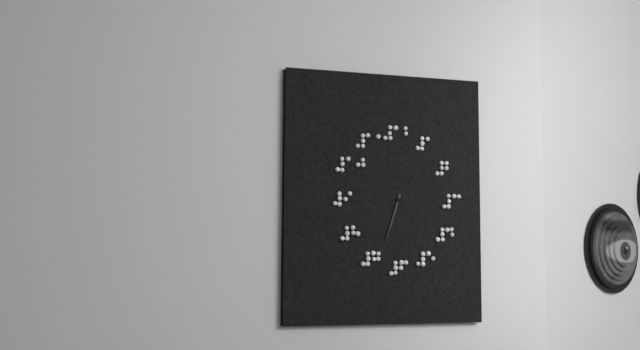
6,33
